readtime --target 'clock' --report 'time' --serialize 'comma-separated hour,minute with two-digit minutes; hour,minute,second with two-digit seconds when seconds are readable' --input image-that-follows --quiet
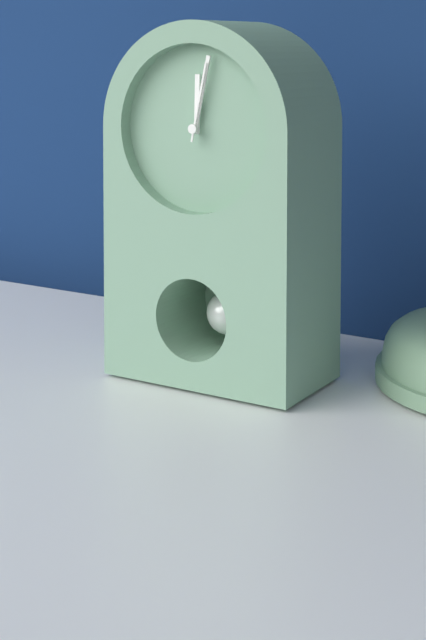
12,02,02
